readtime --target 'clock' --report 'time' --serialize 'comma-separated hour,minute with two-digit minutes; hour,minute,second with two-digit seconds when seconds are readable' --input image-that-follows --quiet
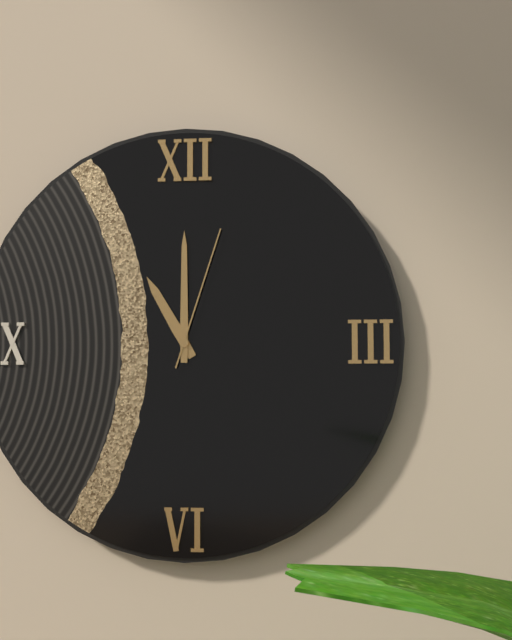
11,00,03
